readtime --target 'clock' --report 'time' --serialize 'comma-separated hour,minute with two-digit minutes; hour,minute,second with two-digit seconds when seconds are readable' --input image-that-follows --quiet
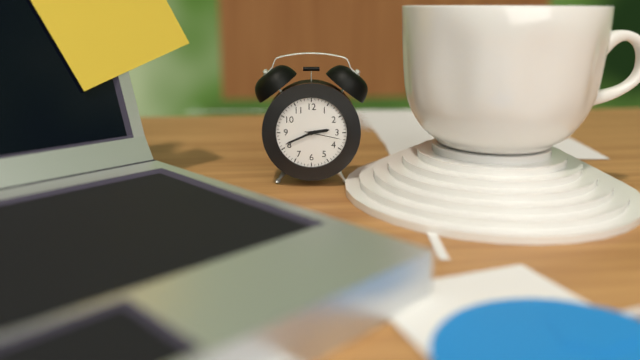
2,41
